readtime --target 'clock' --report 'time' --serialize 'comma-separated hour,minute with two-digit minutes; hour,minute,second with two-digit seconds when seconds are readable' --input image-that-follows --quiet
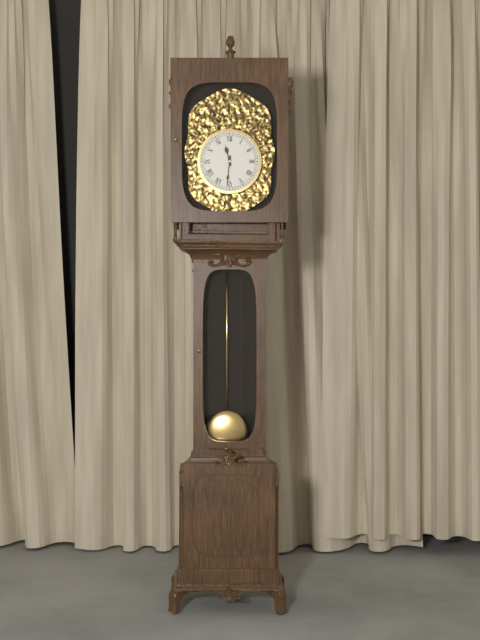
11,31
